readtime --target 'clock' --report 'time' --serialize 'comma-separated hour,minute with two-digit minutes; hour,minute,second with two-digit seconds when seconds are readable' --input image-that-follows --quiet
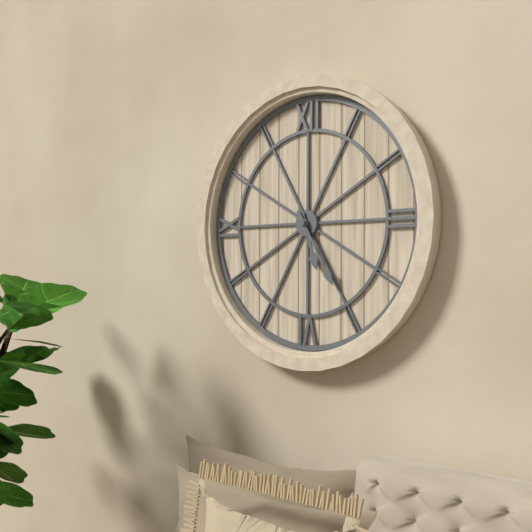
5,25
